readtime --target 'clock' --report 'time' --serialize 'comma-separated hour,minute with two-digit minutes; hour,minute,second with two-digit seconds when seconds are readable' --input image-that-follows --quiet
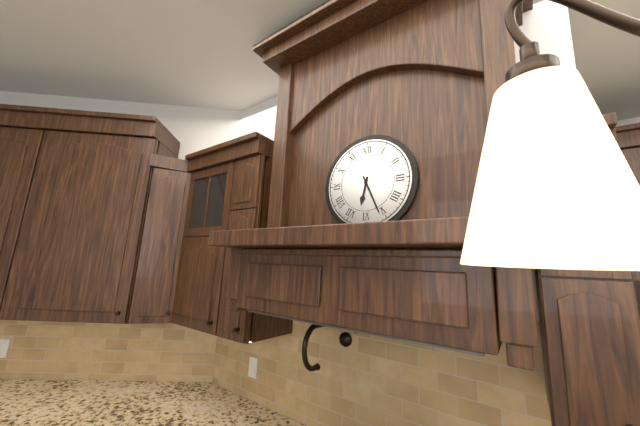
6,26
